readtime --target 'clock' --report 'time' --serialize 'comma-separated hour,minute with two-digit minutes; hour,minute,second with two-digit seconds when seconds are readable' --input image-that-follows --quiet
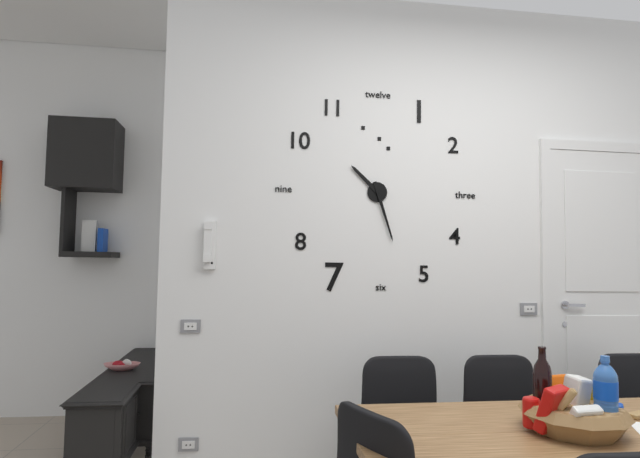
10,27
